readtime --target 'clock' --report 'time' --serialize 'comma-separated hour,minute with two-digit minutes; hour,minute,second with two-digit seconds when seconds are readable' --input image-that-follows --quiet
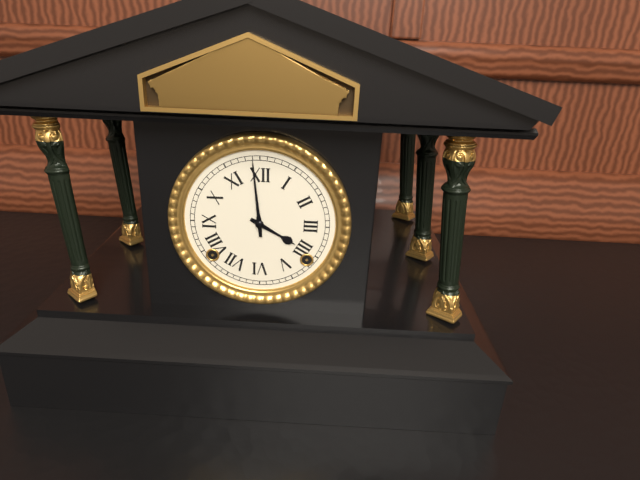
3,59
